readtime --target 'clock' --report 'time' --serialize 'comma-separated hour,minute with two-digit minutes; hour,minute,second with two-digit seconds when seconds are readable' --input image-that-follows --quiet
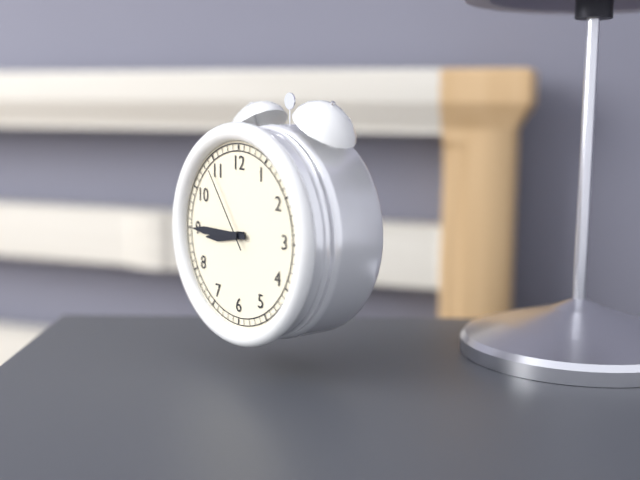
8,45,54
